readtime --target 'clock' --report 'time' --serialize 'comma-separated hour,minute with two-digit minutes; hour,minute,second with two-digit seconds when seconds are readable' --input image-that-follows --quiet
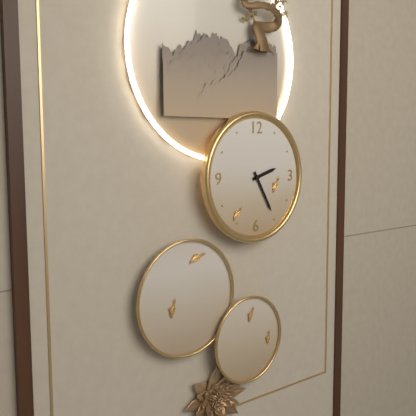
2,25
